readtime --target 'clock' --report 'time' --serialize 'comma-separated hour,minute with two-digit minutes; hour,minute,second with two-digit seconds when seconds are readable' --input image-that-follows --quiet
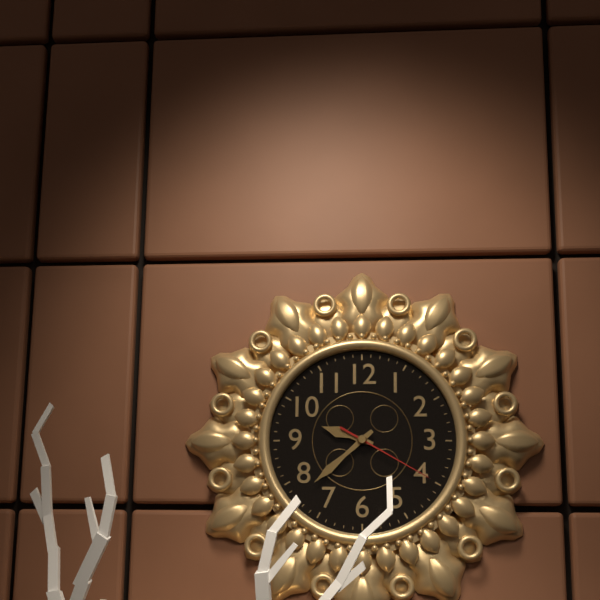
9,38,20
